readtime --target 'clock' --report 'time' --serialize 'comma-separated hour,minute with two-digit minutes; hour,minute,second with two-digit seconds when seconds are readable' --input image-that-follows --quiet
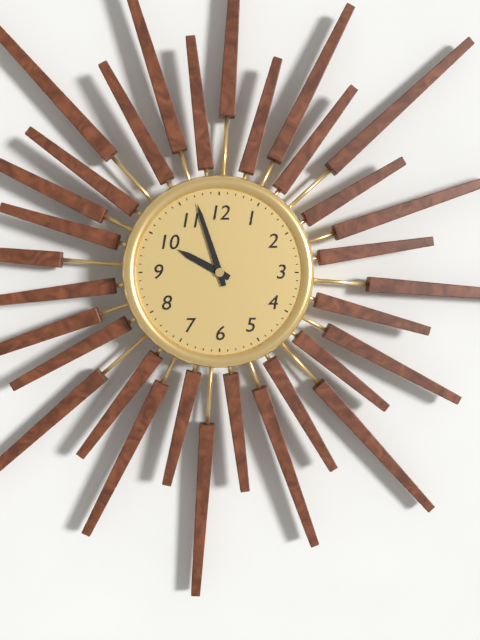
9,57
